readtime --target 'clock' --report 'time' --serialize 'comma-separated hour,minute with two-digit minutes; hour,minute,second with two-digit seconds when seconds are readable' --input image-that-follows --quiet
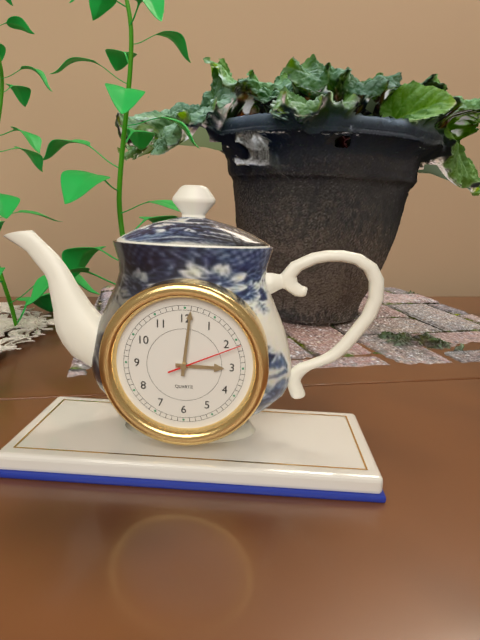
3,01,11
